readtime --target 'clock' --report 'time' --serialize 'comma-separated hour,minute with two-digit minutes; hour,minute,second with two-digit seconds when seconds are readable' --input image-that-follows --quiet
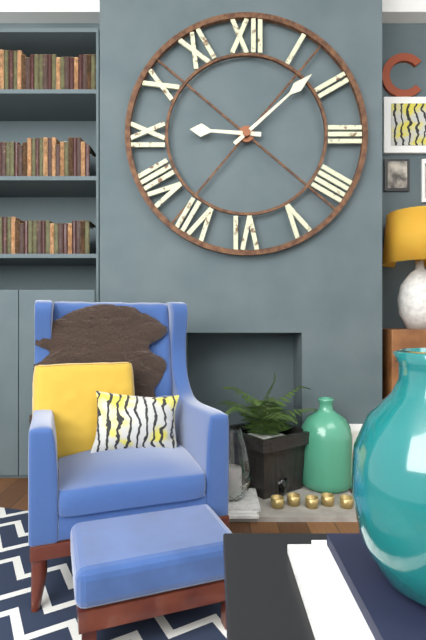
9,08
